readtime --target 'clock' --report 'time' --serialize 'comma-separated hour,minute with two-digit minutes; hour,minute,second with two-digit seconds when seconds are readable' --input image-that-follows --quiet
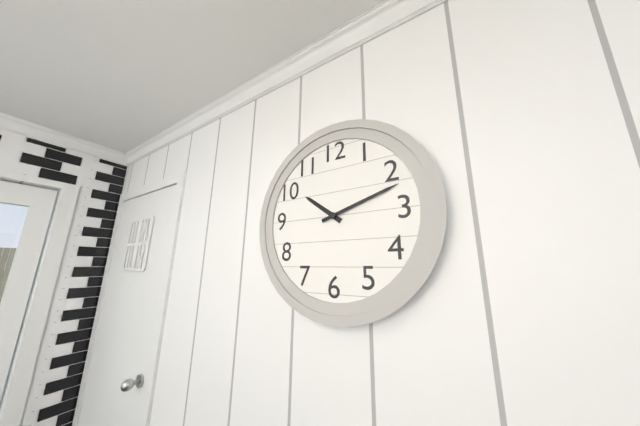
10,12
